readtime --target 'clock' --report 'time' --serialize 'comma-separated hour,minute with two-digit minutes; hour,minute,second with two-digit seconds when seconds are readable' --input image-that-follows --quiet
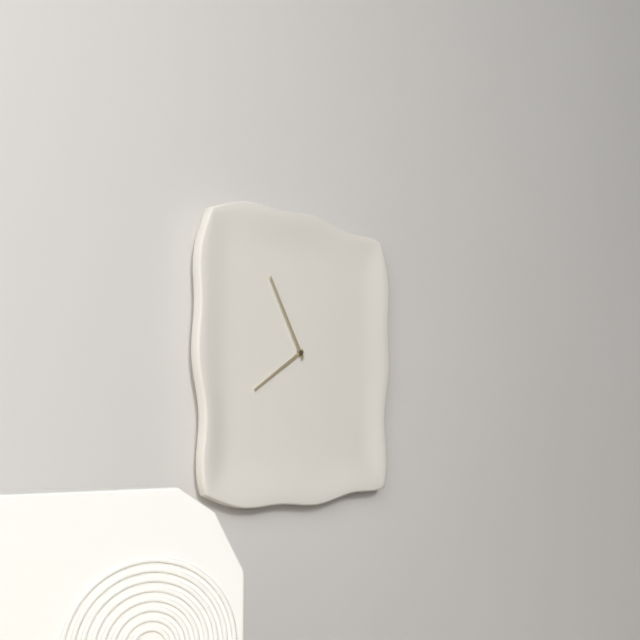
7,55
